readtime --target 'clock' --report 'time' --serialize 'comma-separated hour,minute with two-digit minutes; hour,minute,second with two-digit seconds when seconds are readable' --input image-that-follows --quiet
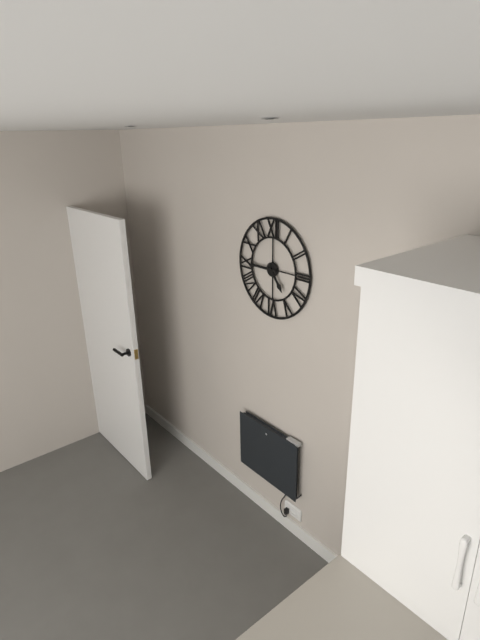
4,45
